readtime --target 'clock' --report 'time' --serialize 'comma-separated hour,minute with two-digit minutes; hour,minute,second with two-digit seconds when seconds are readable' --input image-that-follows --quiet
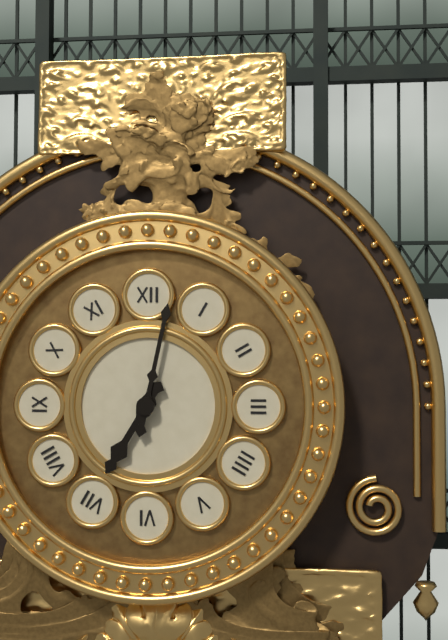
7,02
